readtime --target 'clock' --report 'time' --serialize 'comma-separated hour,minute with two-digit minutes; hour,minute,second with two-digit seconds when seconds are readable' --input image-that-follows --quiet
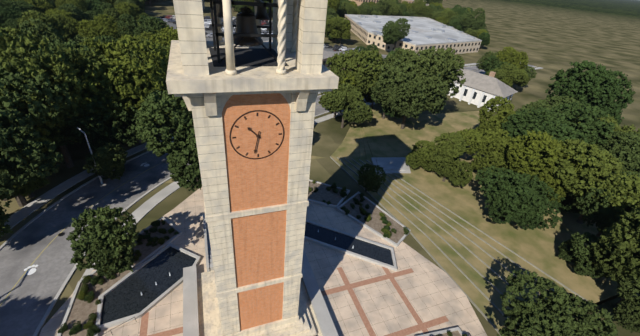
10,32
